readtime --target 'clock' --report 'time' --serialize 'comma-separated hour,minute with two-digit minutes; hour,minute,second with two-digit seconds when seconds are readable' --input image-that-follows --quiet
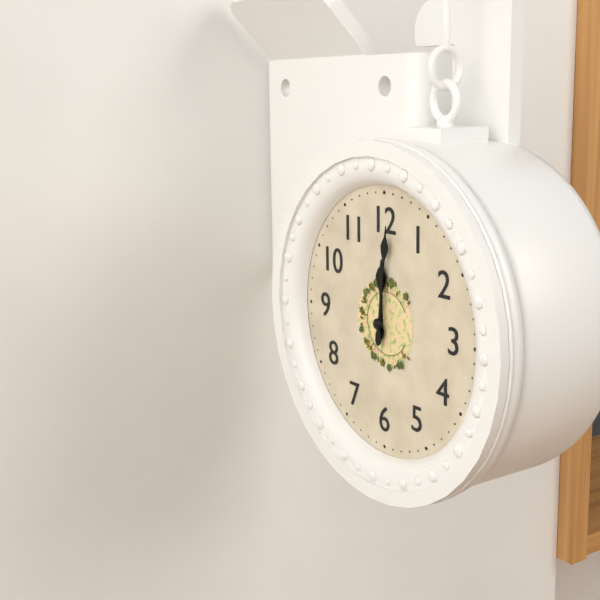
12,01
